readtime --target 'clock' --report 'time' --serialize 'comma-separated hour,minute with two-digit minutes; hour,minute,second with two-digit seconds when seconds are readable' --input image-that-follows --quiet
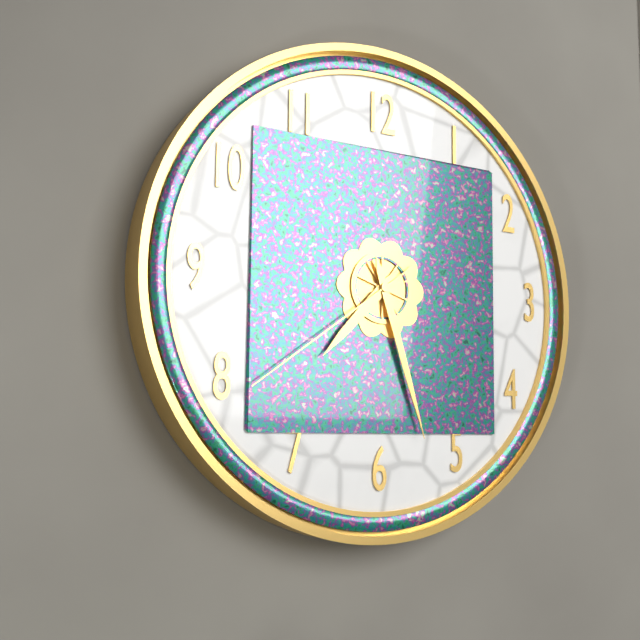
7,27,39
